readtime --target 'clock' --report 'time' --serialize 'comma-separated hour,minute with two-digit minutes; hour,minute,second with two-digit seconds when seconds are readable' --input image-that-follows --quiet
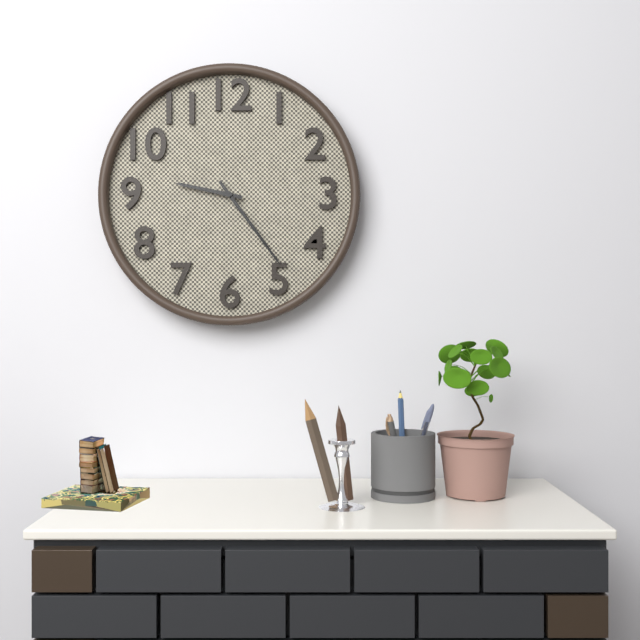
9,24
